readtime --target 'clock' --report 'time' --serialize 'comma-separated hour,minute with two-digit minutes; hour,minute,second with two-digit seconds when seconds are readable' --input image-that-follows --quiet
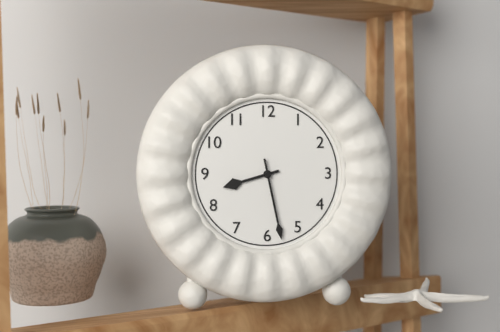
8,28
